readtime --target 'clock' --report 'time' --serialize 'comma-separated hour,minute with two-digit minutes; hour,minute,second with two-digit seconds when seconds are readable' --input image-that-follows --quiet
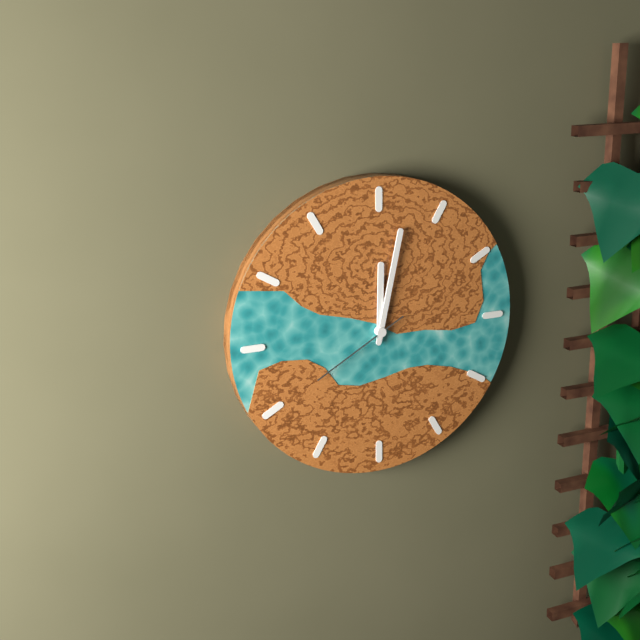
12,02,40
